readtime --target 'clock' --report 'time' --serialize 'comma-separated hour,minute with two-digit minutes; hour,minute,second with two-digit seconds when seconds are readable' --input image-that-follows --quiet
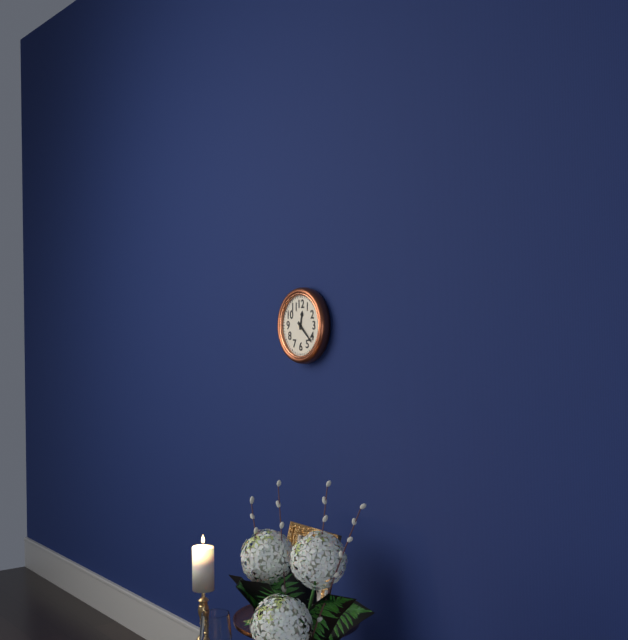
12,22
